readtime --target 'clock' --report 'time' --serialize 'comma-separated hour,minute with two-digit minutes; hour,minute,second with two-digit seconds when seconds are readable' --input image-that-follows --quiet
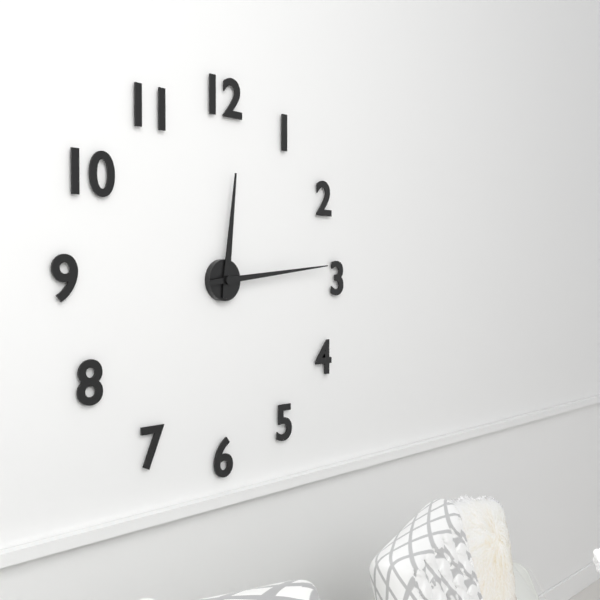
12,14
